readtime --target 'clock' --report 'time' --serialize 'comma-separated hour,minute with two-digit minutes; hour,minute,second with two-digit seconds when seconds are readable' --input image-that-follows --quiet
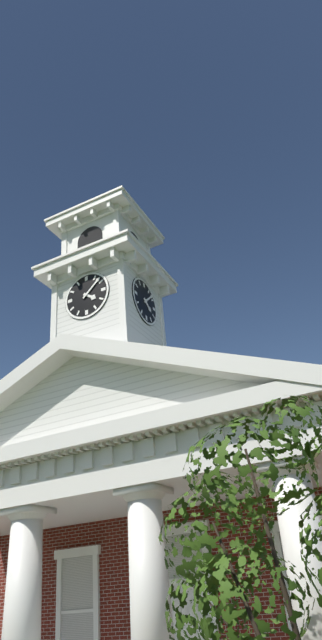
4,08
